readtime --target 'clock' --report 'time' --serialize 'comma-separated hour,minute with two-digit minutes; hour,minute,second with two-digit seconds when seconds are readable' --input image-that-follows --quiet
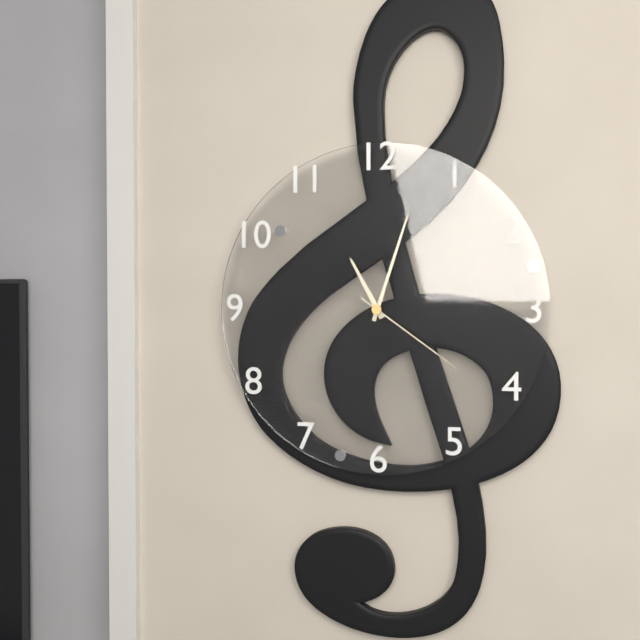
11,03,21
